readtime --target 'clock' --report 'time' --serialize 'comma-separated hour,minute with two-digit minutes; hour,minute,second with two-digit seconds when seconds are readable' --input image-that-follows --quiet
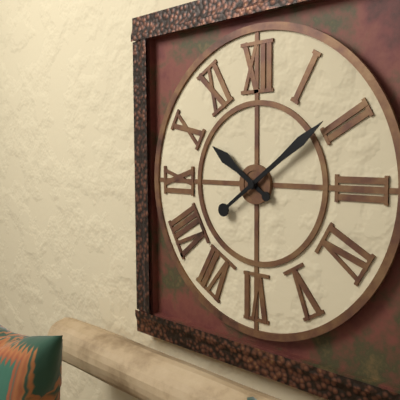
10,09
